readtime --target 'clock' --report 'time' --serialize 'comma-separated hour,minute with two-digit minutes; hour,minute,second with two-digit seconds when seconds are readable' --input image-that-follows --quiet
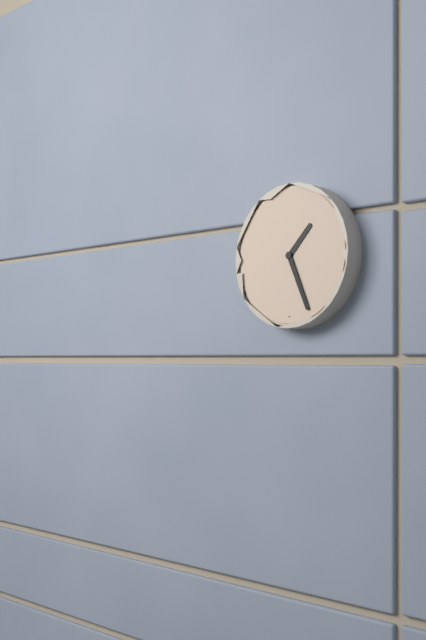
1,26
